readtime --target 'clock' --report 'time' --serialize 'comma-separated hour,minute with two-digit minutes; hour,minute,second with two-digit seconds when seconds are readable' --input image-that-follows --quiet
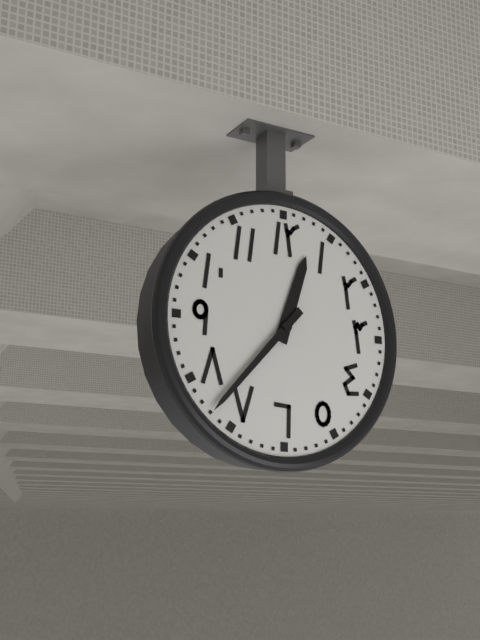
12,37
